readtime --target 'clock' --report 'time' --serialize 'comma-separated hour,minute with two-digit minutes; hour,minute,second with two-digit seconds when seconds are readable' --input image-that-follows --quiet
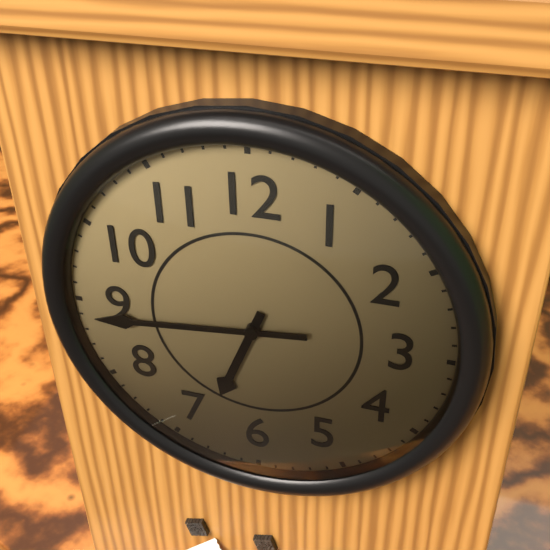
6,44
